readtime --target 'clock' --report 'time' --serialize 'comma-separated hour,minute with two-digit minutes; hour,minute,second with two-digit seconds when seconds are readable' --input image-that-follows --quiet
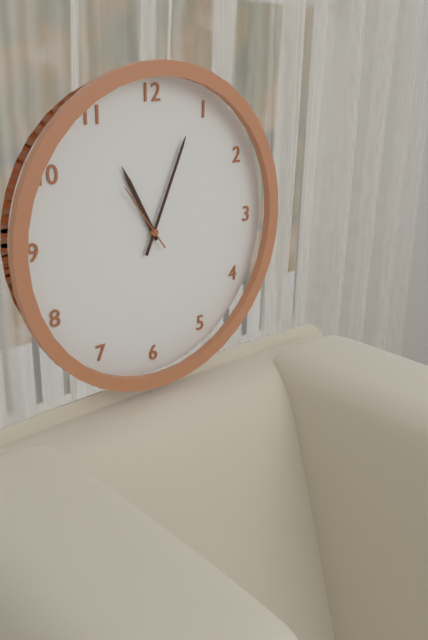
11,04,54
